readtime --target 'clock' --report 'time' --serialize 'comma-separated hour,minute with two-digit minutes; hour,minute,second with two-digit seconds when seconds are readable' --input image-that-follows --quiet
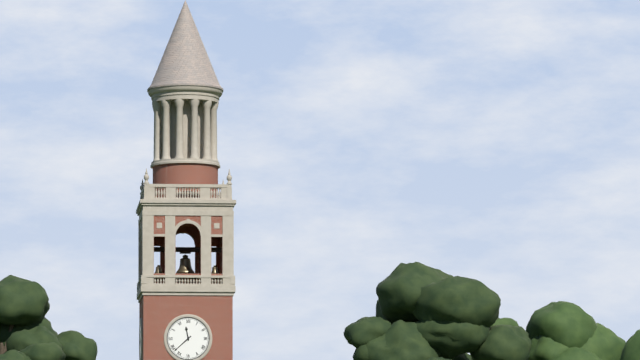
11,38
